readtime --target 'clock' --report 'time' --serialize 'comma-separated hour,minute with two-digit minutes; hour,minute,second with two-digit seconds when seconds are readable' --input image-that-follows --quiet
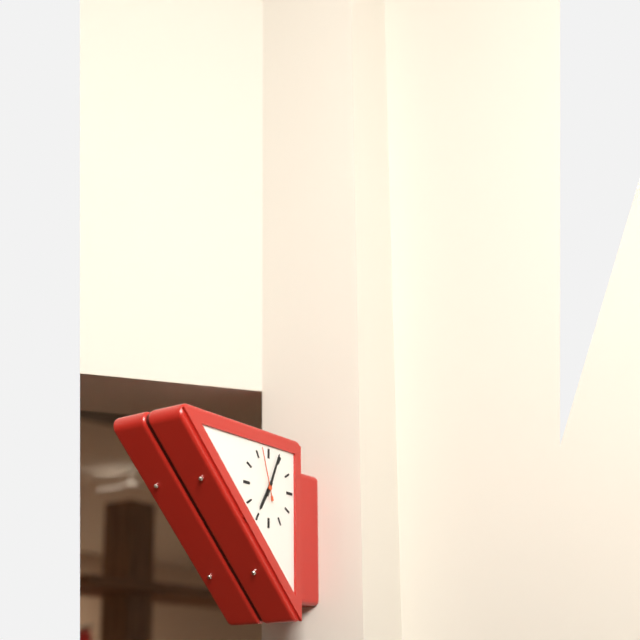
7,04,57
